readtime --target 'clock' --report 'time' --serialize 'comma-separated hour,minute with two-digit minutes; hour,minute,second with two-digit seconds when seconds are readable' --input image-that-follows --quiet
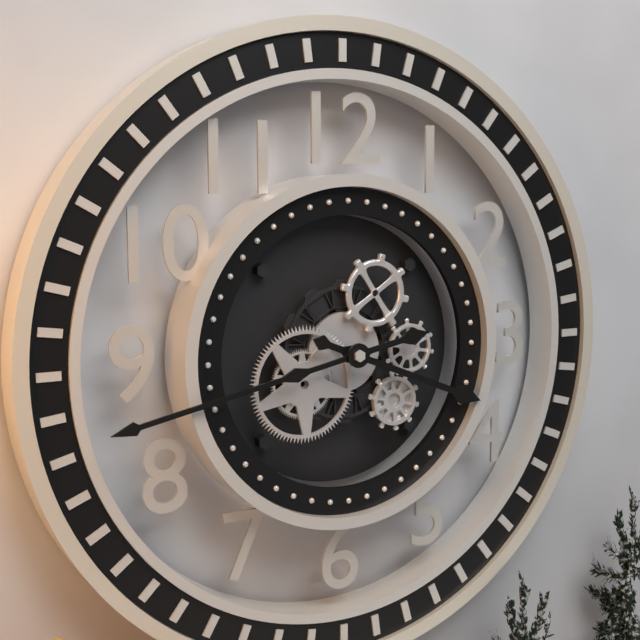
3,43
